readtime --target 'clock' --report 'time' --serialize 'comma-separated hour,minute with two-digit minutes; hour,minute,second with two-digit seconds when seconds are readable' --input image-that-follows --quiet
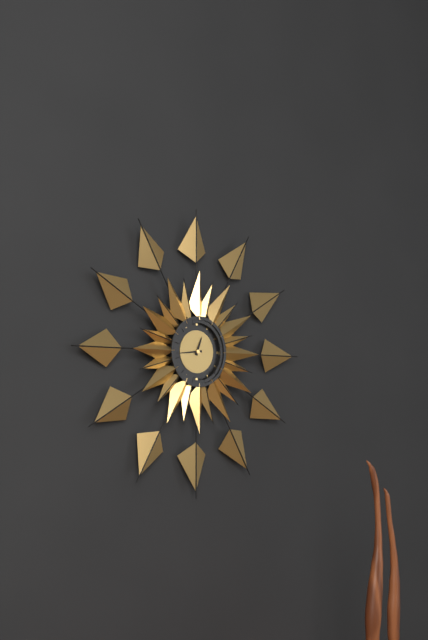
12,44
